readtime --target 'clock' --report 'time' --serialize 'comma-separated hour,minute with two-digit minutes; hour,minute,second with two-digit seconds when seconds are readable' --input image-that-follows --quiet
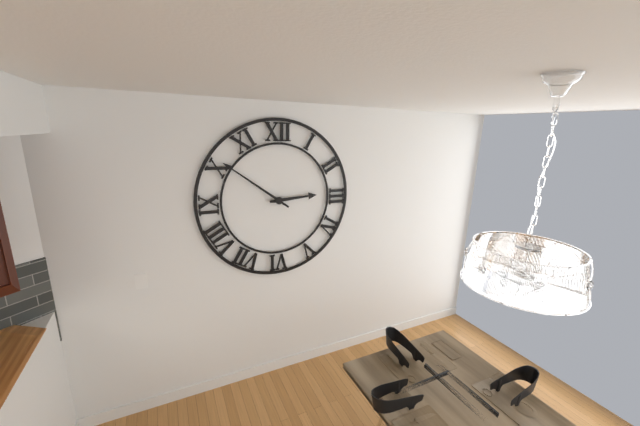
2,51
